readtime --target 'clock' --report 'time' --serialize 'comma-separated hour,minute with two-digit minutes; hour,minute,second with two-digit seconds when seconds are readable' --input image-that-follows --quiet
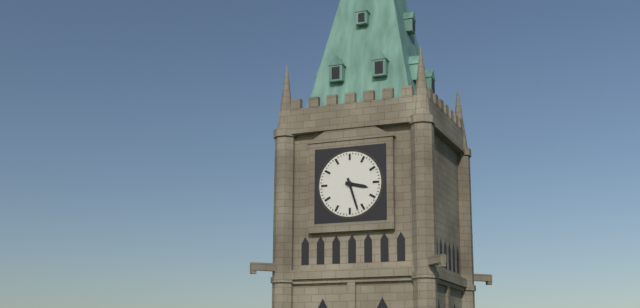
3,27
